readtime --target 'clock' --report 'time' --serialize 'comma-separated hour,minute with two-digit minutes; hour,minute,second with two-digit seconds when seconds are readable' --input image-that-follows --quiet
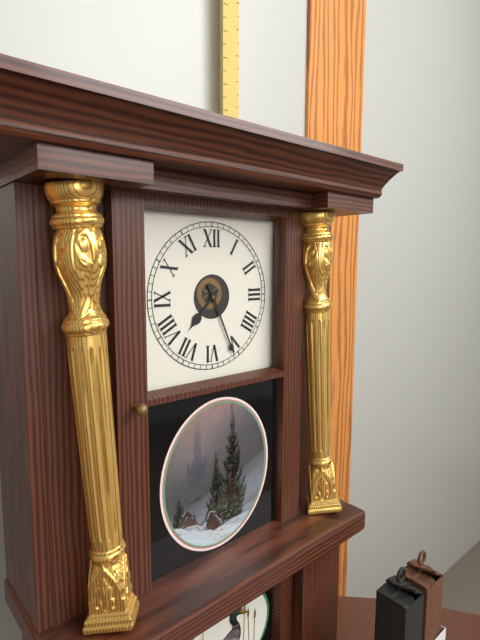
7,26
